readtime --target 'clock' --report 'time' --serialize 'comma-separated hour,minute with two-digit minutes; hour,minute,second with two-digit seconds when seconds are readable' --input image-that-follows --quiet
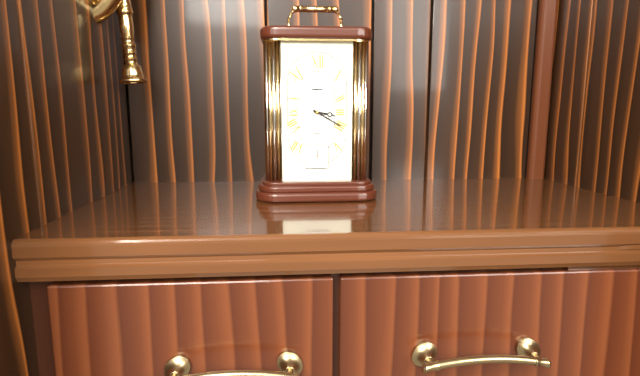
3,20
